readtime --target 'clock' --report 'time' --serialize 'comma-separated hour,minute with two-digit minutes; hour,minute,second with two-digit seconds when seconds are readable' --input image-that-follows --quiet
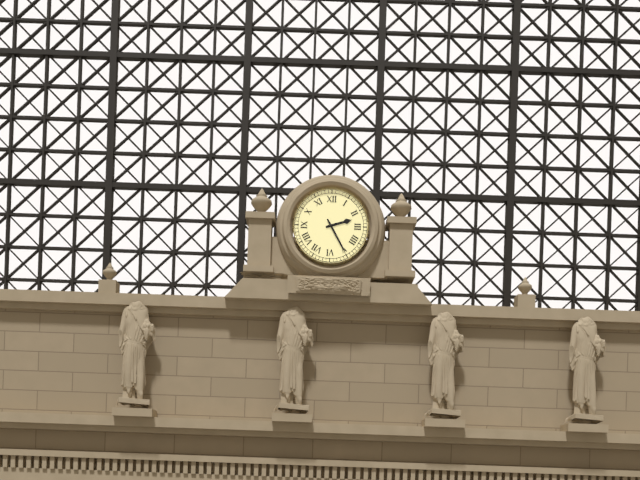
2,25
